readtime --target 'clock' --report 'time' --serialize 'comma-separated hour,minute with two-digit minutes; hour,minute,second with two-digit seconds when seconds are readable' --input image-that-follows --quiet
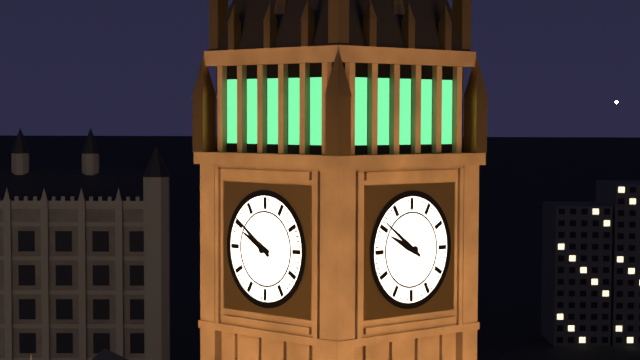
9,51
